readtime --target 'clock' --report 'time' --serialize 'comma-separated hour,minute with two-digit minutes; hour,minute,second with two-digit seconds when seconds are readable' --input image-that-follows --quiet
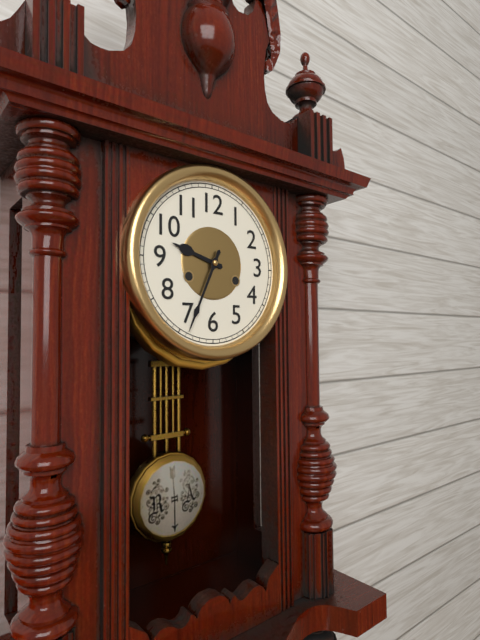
9,34
